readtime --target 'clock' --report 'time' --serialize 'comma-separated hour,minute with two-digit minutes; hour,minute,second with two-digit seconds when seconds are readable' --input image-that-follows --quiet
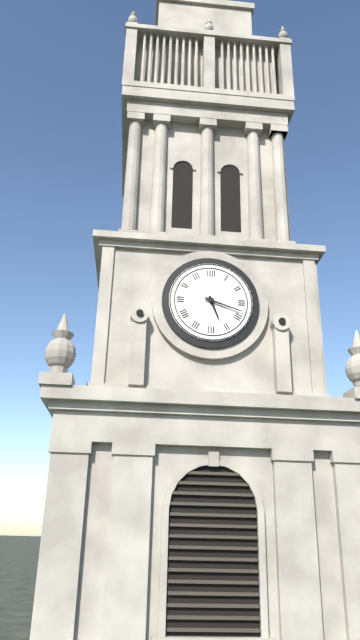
5,18
